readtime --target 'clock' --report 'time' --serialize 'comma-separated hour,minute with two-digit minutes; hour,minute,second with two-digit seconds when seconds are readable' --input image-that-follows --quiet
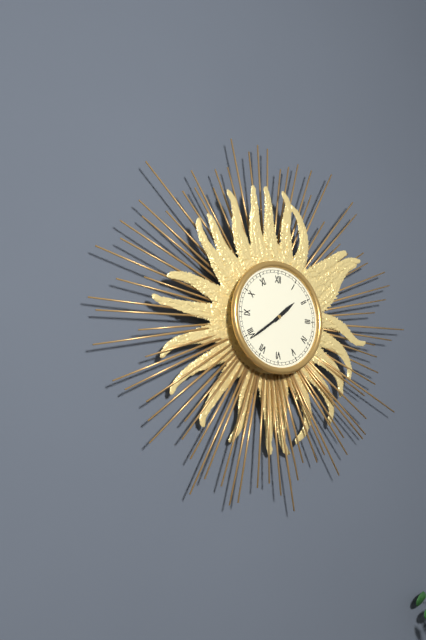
1,39
